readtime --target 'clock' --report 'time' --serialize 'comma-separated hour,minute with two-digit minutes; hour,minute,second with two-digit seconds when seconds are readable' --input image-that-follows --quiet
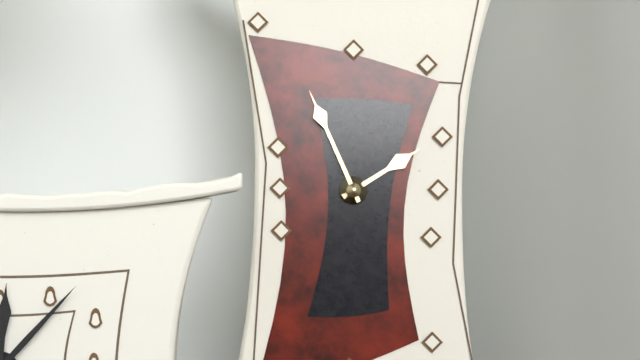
1,56
